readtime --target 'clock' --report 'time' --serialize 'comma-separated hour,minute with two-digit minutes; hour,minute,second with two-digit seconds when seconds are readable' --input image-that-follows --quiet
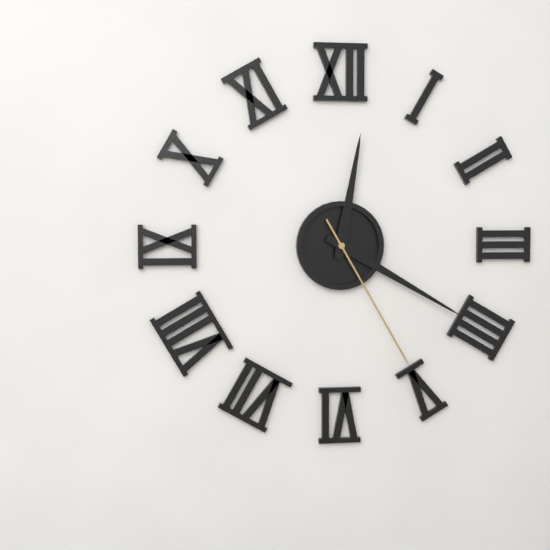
12,20,25
